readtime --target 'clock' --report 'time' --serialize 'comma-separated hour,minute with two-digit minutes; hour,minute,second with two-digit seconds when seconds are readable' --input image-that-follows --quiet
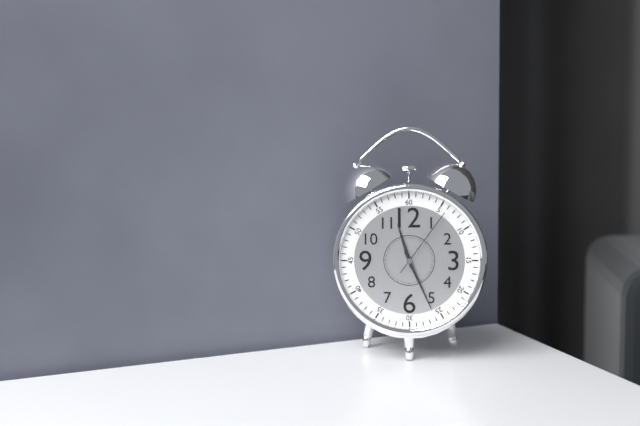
11,26,06
